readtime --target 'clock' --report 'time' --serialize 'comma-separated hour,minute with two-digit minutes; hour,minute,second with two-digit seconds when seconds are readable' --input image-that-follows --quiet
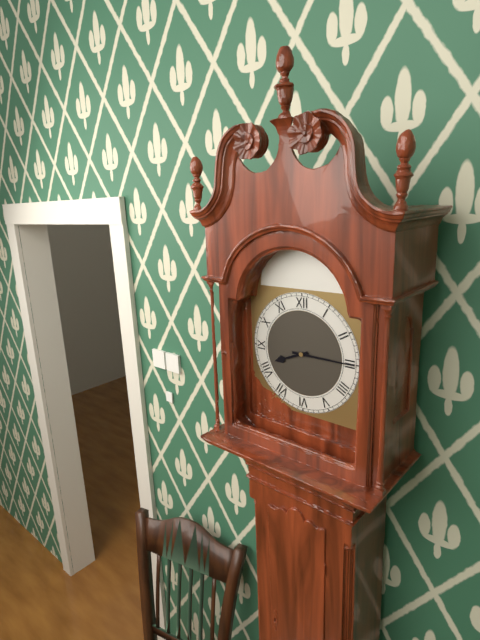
8,15
